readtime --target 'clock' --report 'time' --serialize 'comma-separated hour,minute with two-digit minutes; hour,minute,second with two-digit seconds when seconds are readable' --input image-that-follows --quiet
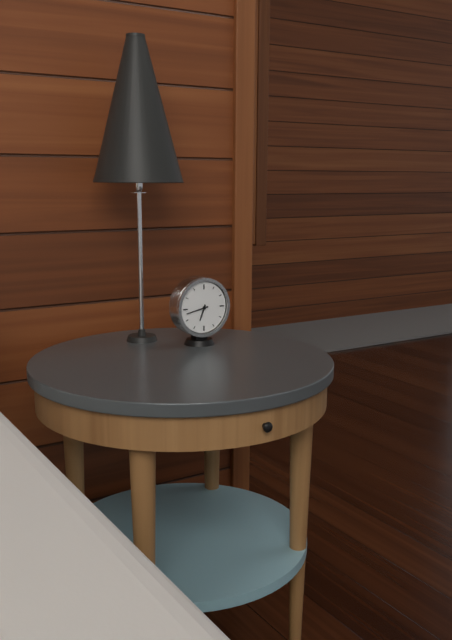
6,43
